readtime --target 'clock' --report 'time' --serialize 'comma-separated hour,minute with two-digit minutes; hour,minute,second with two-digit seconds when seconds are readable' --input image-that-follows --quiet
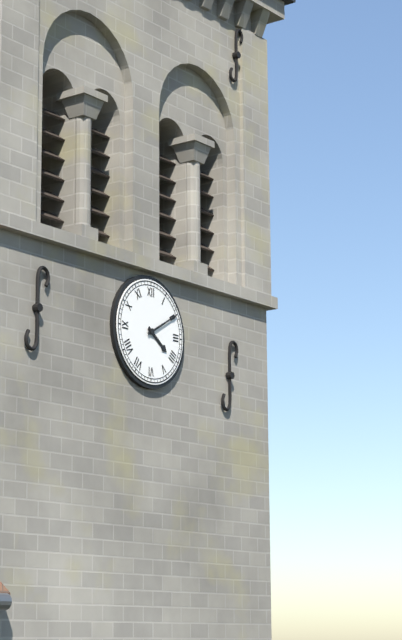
4,10
